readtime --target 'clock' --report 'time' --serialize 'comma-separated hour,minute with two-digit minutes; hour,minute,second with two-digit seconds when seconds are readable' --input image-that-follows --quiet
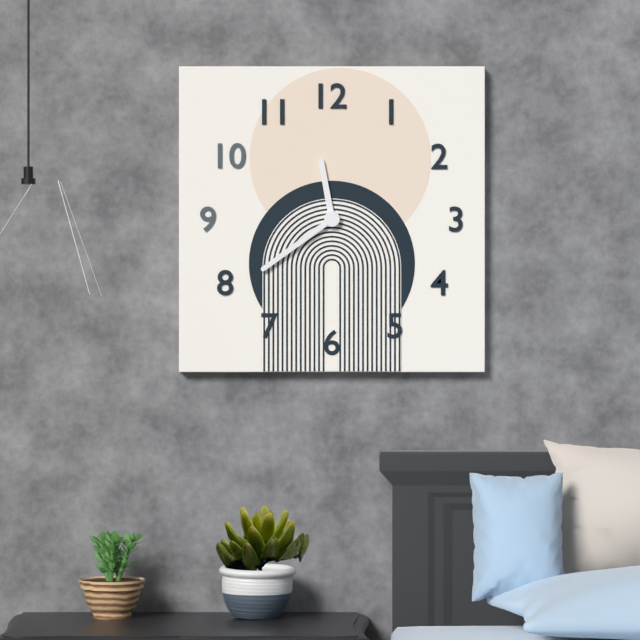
11,39
